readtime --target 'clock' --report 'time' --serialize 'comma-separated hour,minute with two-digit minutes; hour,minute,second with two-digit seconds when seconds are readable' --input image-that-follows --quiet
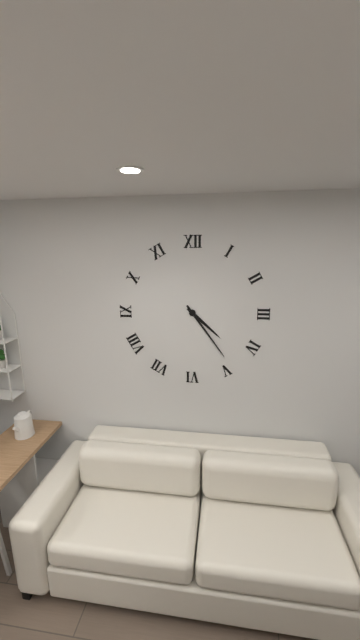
4,24
